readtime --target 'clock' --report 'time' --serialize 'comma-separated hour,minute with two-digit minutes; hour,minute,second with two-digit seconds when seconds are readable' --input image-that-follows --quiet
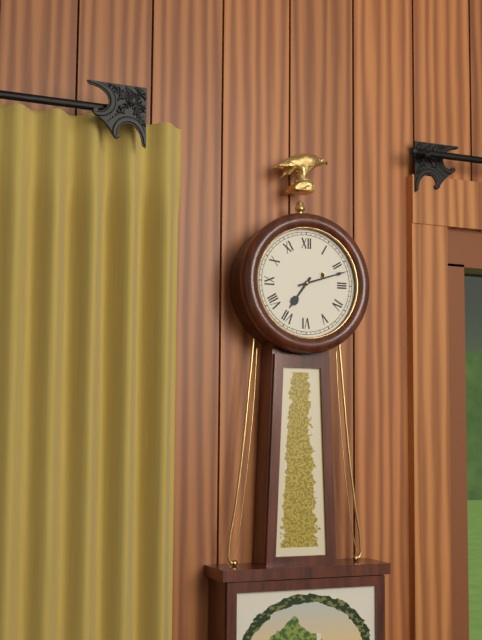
7,12
